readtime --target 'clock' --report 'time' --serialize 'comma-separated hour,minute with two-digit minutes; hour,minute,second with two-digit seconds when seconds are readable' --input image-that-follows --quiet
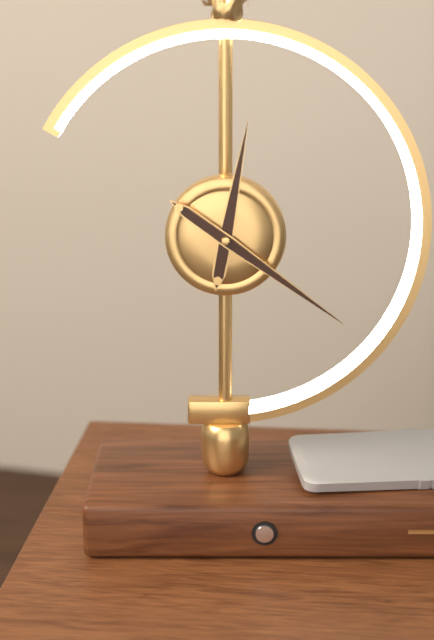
12,21
